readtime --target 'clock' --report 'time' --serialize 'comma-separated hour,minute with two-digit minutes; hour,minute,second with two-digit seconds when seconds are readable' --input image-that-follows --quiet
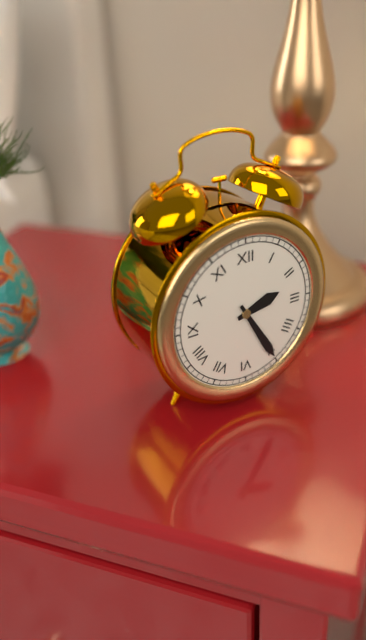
2,25
